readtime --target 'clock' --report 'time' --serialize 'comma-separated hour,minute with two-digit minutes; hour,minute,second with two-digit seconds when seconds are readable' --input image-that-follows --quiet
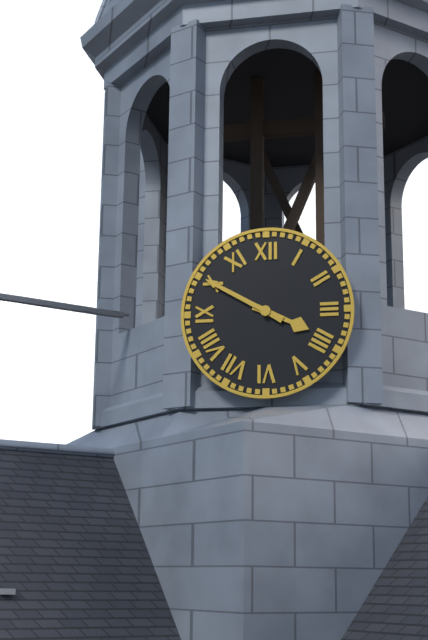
3,50
